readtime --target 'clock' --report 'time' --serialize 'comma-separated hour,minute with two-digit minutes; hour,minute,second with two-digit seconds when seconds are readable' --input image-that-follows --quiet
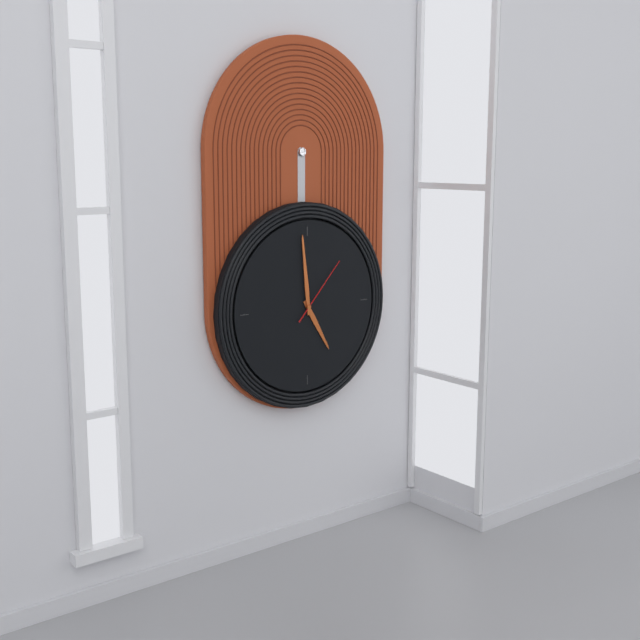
4,59,07
